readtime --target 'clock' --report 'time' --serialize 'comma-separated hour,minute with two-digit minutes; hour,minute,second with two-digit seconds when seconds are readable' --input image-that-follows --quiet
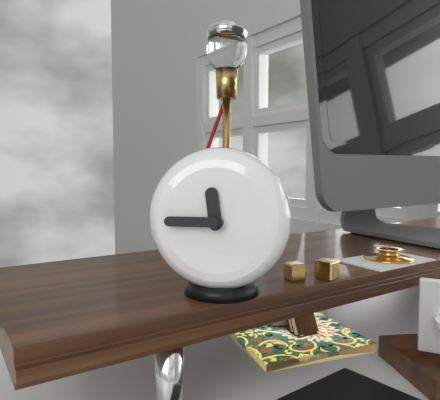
11,45
